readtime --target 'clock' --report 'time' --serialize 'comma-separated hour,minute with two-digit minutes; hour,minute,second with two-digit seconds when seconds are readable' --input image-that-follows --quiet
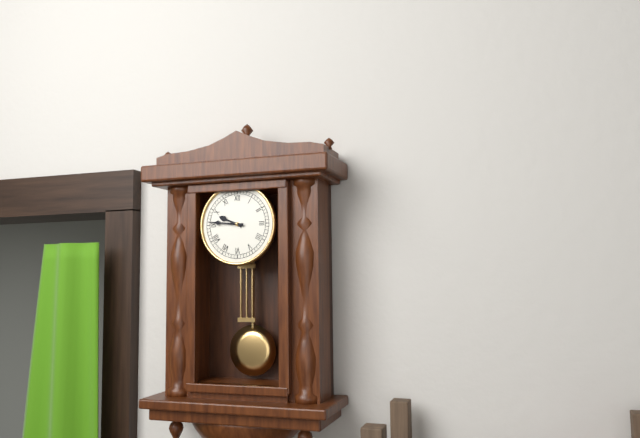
9,46
